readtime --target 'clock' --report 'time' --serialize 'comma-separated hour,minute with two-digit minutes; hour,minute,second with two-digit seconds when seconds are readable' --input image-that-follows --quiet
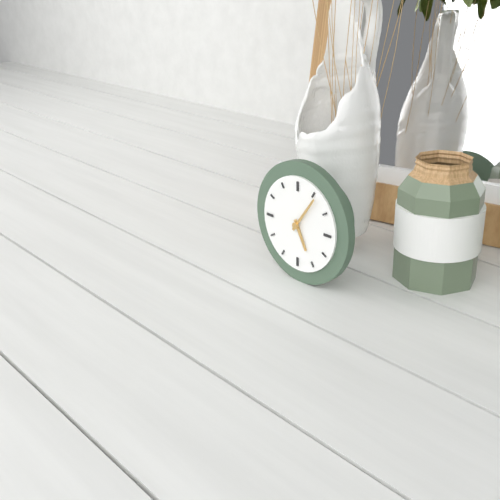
5,06
